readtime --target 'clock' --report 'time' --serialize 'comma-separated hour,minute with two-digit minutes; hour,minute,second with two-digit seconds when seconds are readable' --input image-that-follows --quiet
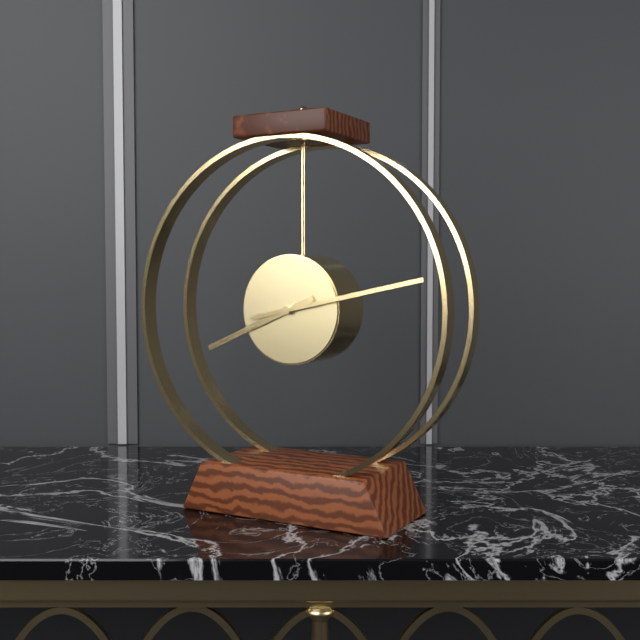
8,13
